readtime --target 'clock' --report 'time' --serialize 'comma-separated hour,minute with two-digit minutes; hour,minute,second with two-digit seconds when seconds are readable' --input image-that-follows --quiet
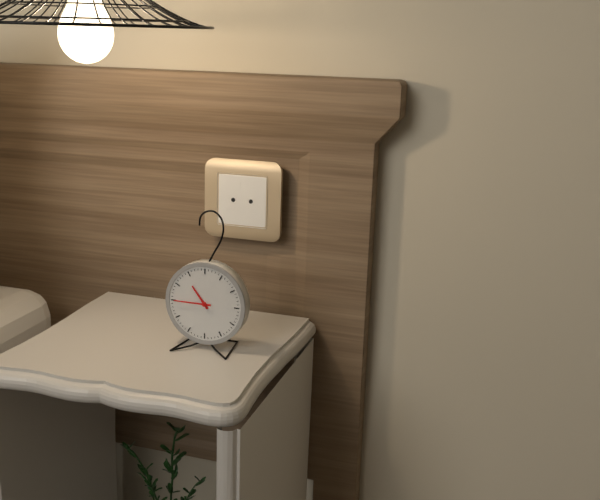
10,45
